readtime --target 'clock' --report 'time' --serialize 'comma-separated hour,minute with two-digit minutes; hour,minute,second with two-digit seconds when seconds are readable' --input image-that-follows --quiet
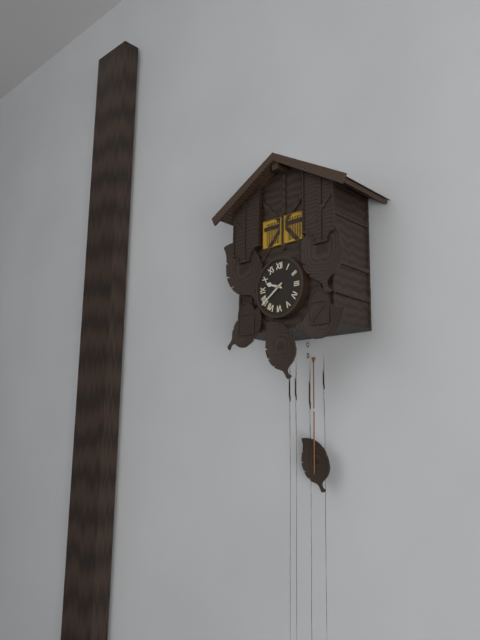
9,39
